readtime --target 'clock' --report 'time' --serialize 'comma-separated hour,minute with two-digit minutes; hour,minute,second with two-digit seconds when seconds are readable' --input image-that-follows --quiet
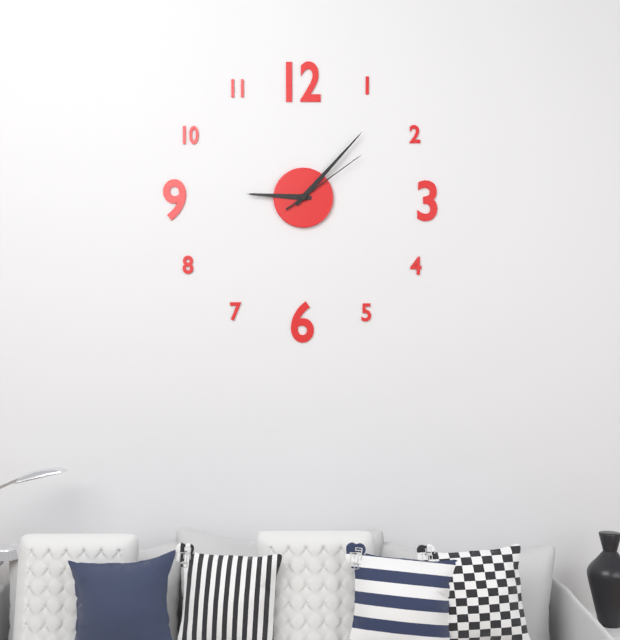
9,07,09
